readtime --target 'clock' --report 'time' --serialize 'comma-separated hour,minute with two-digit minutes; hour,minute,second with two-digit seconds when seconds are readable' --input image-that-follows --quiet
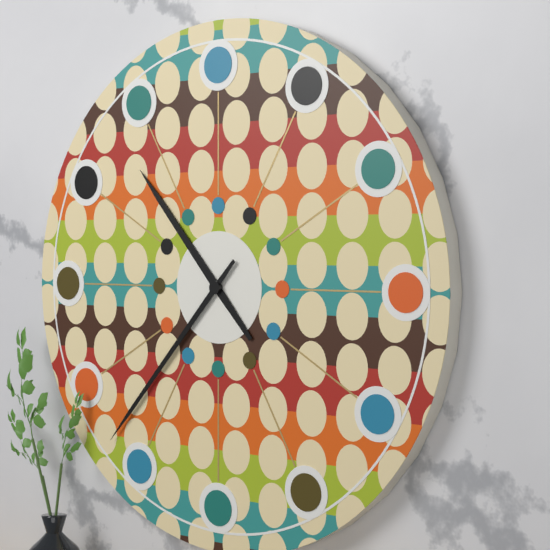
10,37
